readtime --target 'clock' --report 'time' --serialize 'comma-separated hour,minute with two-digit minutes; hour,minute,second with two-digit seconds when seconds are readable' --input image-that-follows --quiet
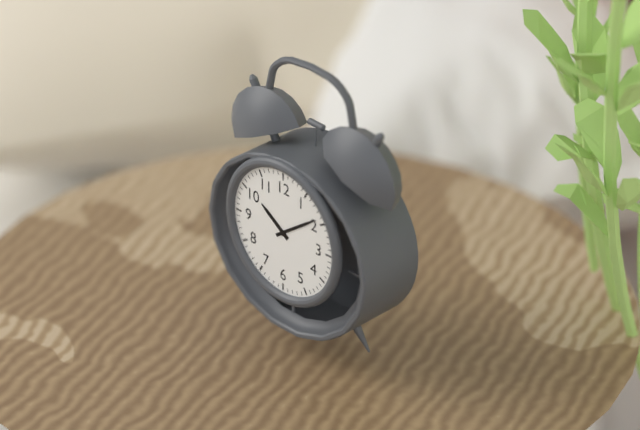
10,09
